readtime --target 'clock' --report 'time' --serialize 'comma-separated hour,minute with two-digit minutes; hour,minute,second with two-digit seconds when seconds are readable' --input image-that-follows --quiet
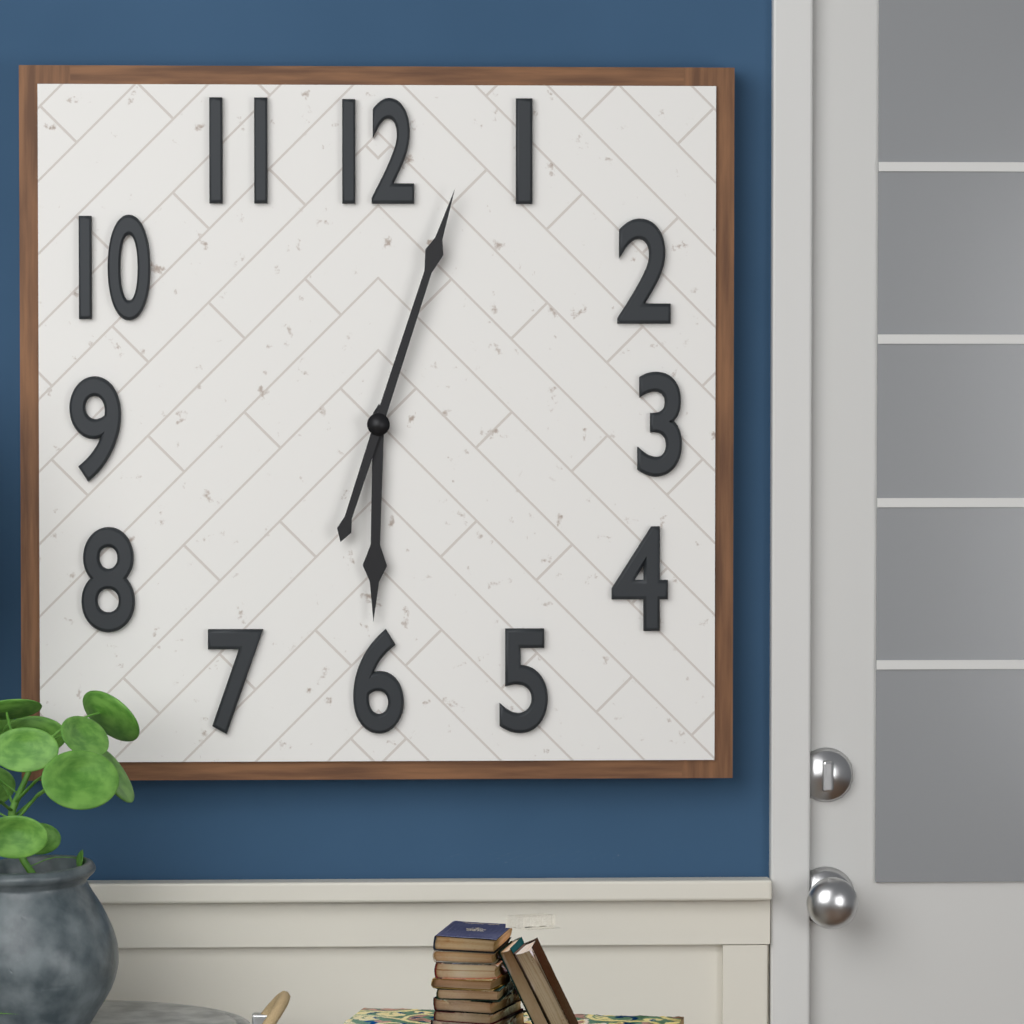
6,03
